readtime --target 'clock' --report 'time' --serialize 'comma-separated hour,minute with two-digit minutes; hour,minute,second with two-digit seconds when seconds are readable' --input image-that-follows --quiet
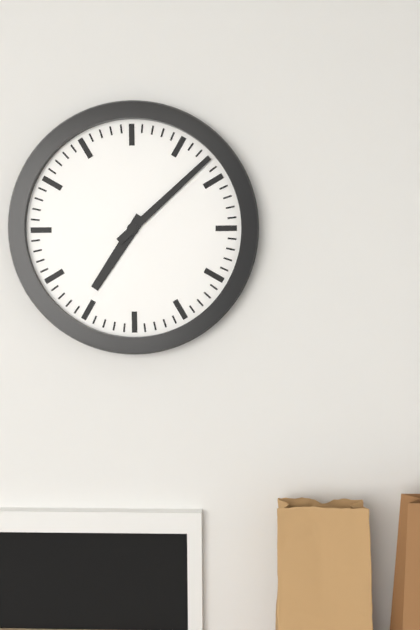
7,08
